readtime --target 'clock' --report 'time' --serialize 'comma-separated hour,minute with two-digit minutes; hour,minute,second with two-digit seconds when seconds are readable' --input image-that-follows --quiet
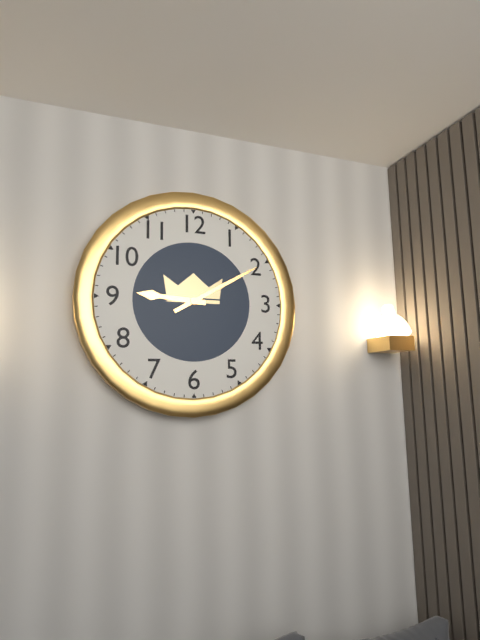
9,10
